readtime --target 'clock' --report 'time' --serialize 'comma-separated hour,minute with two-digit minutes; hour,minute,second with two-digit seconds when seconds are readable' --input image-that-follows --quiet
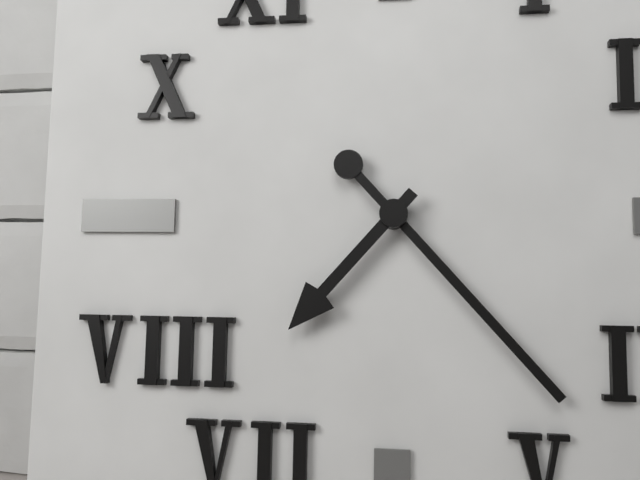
7,23
